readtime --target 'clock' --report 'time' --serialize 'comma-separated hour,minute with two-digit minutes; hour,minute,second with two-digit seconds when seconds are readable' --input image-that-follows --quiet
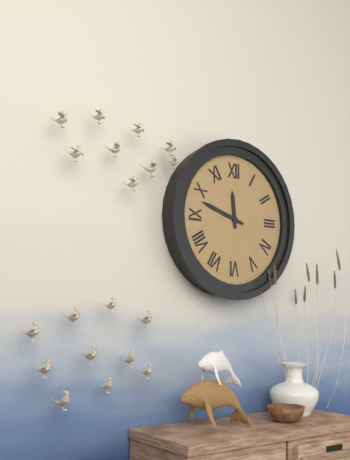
11,48
